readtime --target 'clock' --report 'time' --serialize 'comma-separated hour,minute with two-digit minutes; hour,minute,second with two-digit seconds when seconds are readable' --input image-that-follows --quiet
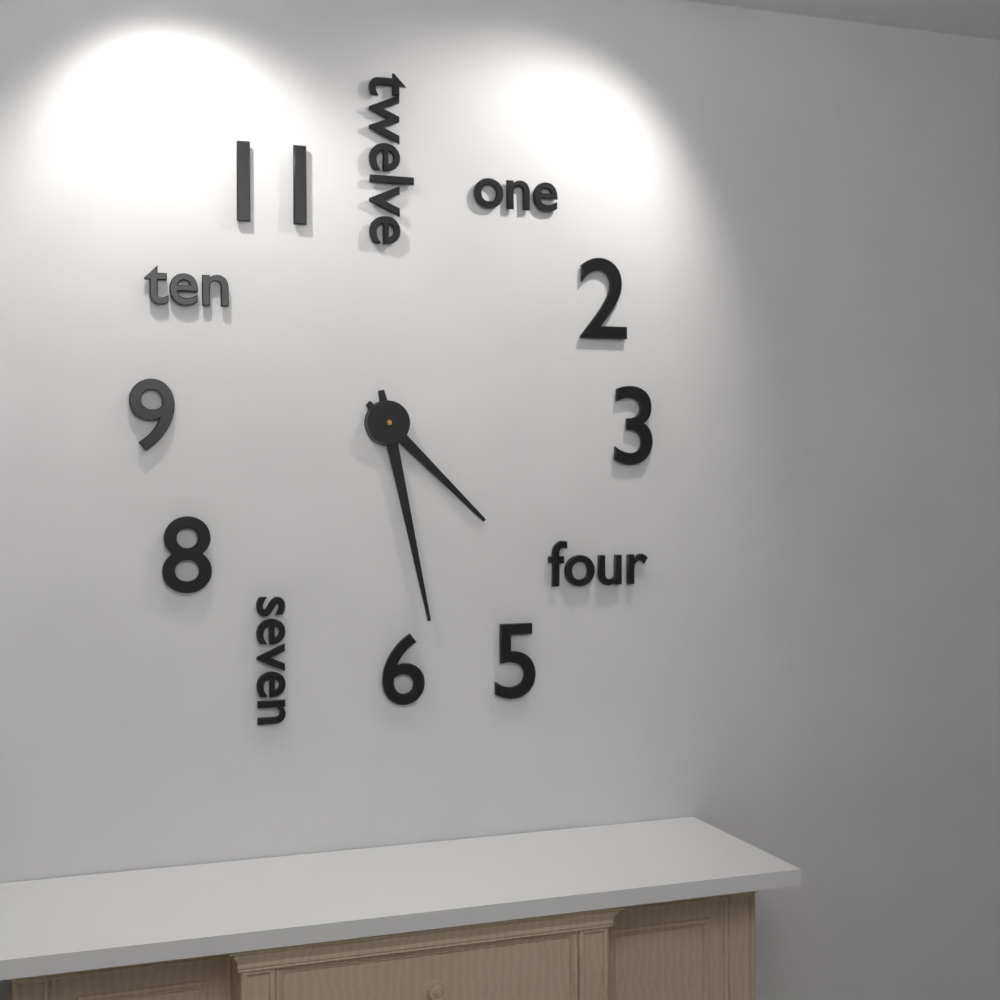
4,28
